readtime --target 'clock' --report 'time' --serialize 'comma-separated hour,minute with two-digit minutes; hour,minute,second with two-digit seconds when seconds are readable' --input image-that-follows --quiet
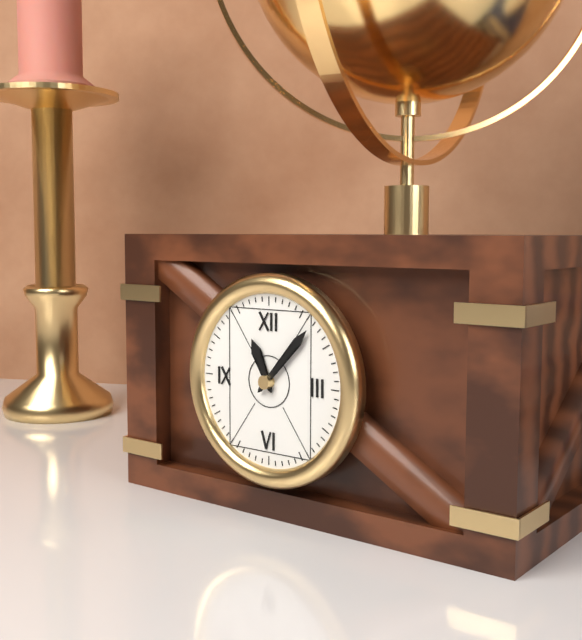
11,07
